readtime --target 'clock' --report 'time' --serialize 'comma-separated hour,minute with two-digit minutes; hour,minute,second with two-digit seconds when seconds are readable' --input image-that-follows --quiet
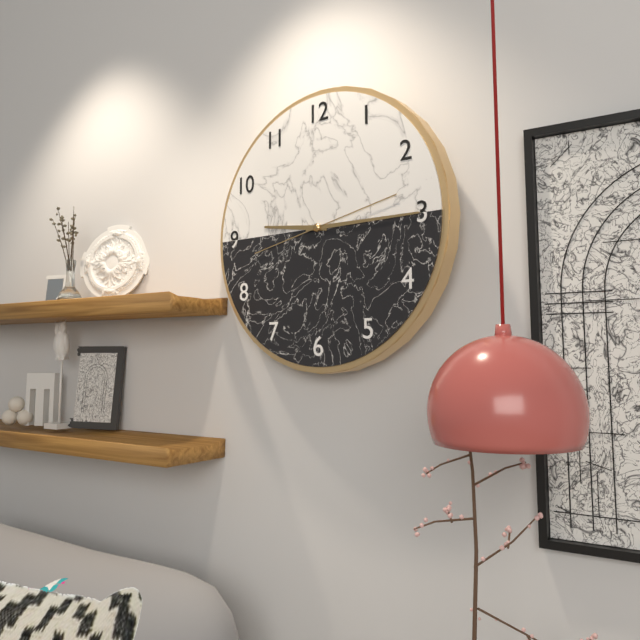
9,15,13
